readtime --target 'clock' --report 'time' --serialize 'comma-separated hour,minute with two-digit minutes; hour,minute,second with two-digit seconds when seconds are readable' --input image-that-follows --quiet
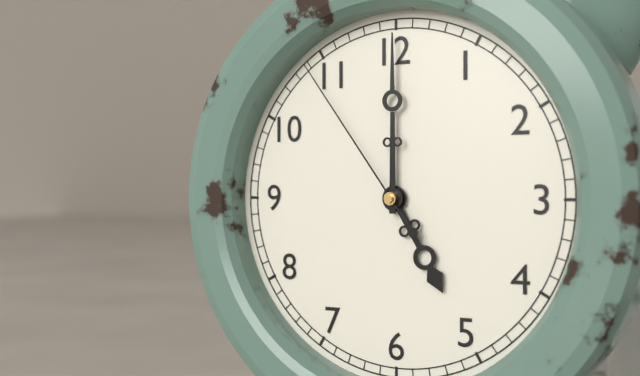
5,00,54
